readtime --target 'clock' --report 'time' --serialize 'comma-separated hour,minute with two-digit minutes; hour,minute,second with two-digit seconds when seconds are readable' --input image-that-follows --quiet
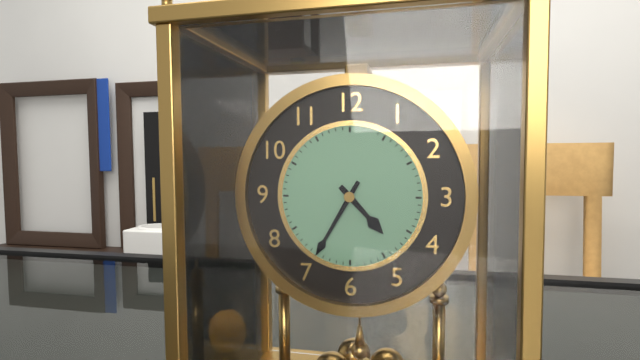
4,35
